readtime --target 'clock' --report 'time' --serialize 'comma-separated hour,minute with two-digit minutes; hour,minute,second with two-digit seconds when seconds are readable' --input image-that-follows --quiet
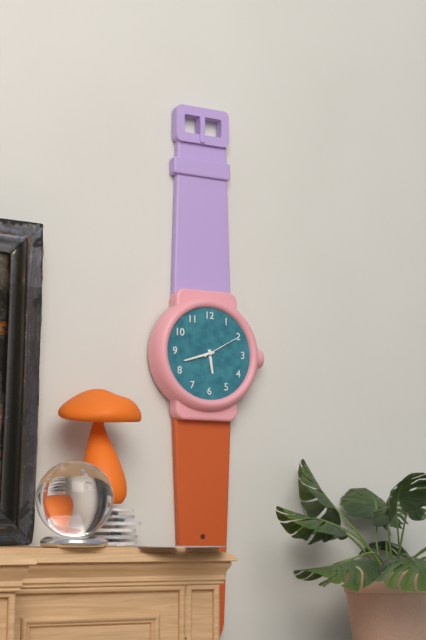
5,42
